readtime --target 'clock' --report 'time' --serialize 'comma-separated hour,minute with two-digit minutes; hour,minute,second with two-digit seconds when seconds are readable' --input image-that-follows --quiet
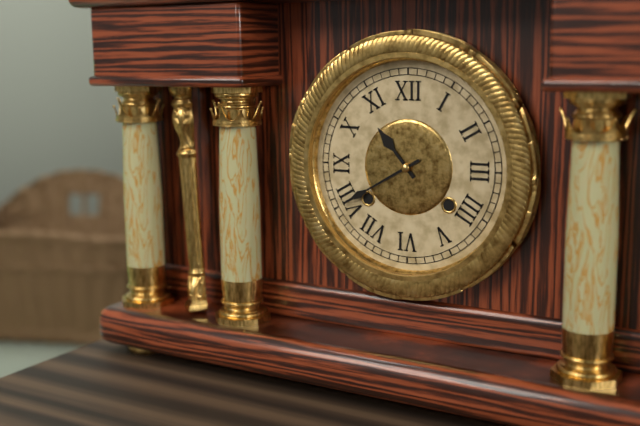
10,40
